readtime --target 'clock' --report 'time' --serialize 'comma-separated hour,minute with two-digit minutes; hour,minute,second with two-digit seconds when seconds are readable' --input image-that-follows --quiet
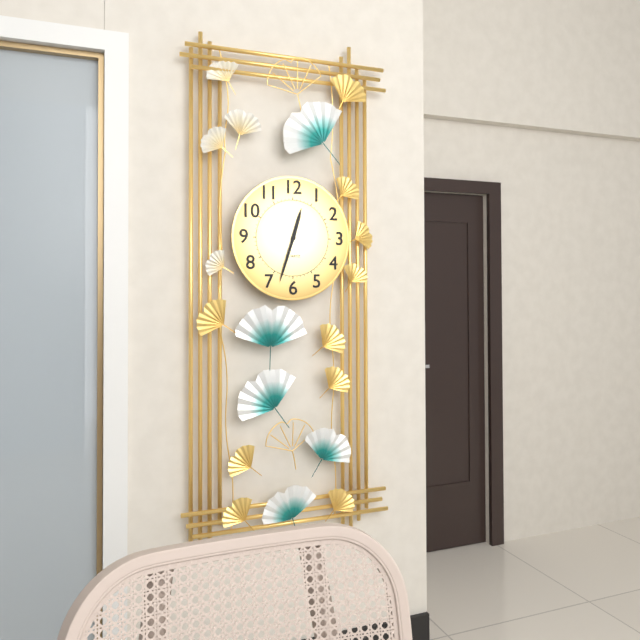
12,33
